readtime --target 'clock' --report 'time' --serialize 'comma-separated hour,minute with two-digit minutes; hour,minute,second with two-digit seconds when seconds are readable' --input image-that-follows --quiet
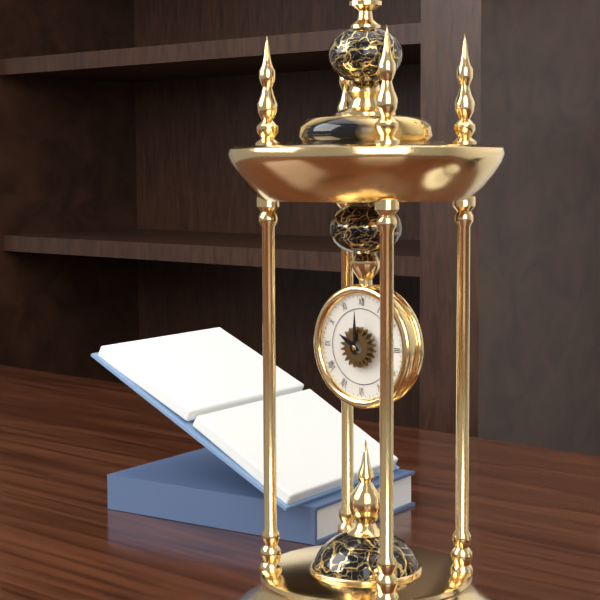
10,00
